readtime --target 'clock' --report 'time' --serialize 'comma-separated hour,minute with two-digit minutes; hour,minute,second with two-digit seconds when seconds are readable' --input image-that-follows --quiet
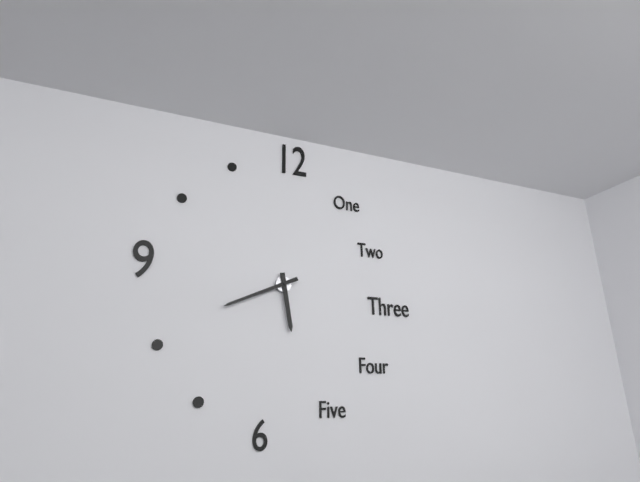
5,41
